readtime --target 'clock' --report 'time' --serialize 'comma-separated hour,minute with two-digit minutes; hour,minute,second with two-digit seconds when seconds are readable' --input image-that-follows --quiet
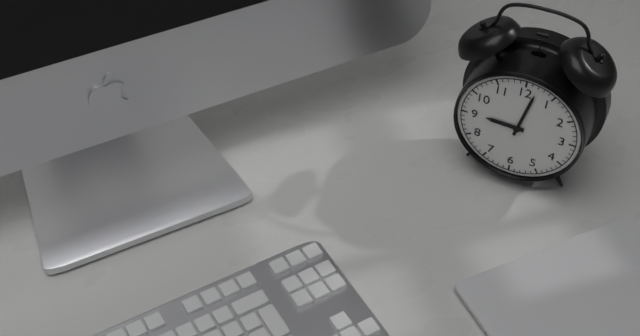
9,02
